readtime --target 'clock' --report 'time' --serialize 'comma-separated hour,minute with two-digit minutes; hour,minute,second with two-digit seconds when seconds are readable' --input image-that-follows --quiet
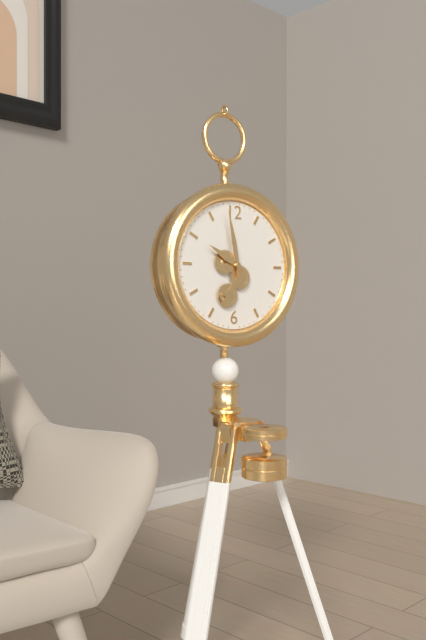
9,58
